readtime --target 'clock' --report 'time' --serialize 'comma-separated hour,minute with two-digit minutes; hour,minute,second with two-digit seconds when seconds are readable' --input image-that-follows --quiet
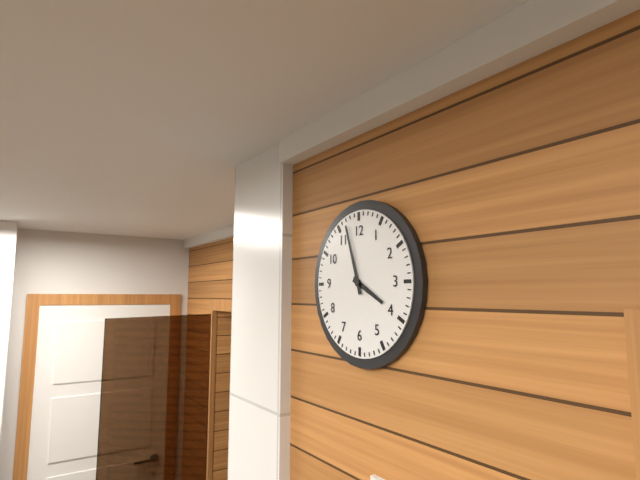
3,57
